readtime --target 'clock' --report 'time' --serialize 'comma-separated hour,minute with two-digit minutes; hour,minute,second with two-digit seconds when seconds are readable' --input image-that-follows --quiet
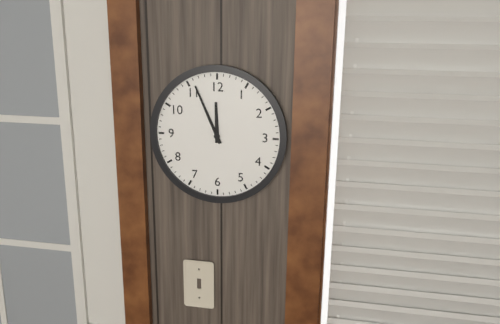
11,56
